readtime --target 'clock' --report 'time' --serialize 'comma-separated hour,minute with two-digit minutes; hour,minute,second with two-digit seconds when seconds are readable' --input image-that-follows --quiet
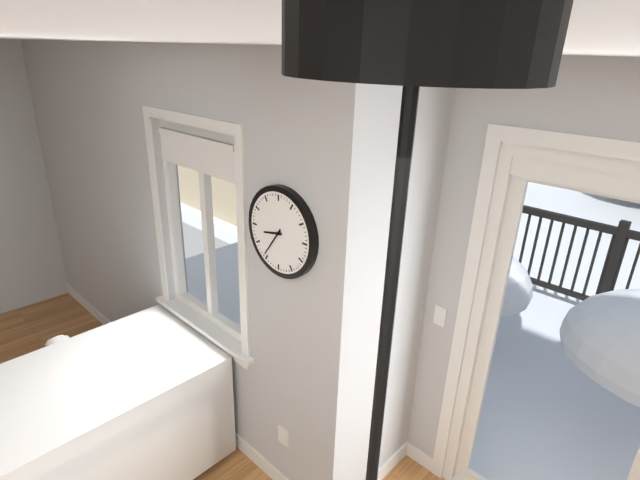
8,36
